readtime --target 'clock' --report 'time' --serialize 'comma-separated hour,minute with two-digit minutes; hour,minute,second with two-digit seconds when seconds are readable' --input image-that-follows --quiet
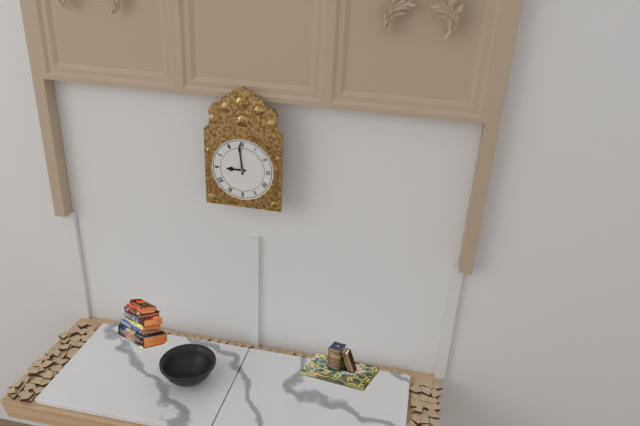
8,59
